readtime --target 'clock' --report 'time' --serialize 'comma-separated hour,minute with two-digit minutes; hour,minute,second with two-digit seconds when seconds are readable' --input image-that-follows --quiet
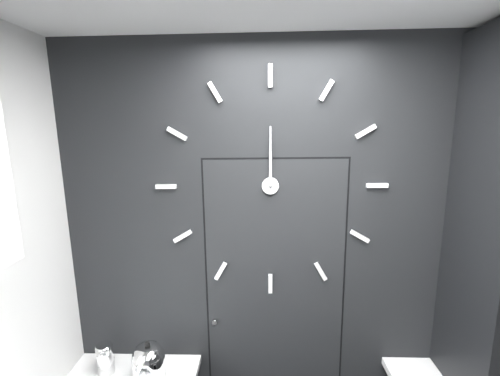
12,00
